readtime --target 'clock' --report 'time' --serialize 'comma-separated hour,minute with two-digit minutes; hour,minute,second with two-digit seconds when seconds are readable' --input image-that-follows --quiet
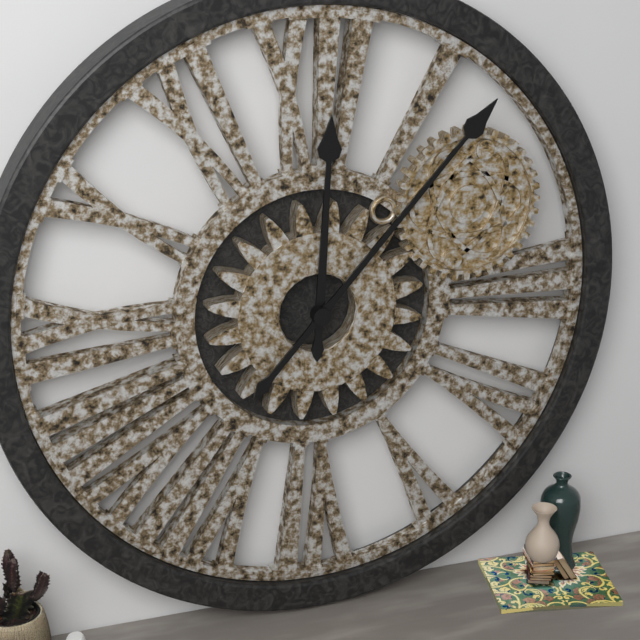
12,07
